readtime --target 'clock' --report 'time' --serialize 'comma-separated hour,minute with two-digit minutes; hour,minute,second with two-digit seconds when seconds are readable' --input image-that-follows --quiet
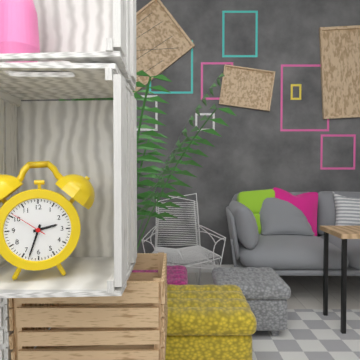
2,33
